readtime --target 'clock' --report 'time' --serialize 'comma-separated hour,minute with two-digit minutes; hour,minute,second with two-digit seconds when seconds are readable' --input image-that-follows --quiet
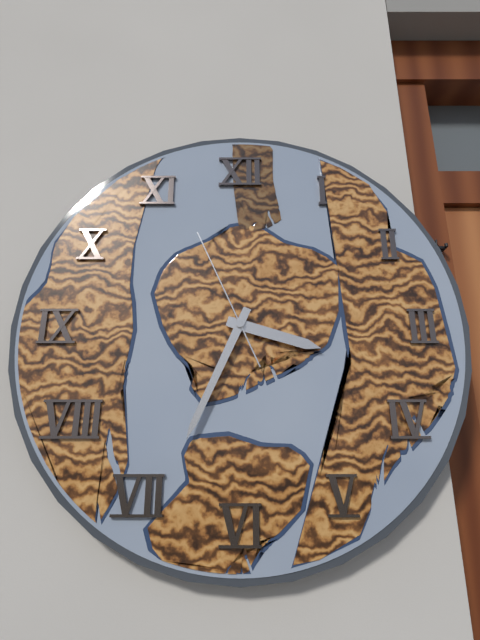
3,34,56
